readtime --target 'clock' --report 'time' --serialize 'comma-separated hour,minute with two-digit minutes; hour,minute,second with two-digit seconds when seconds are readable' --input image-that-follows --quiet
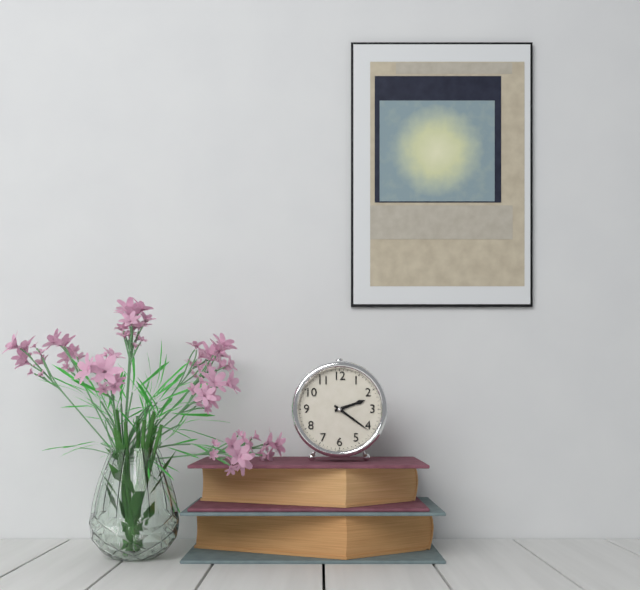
2,21
